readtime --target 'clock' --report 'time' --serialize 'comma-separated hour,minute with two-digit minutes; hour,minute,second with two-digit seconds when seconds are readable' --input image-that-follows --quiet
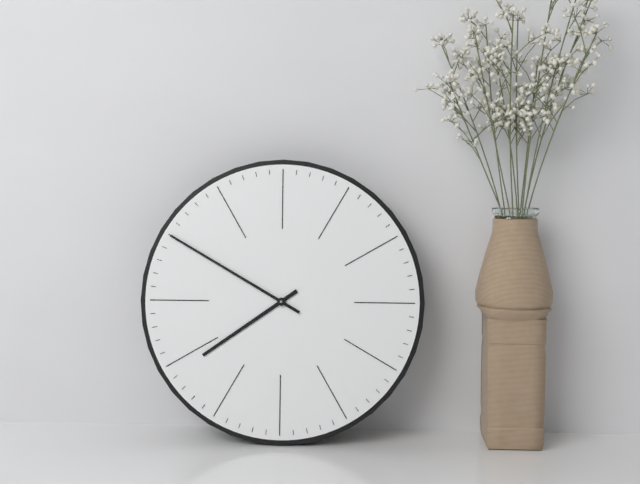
7,50
